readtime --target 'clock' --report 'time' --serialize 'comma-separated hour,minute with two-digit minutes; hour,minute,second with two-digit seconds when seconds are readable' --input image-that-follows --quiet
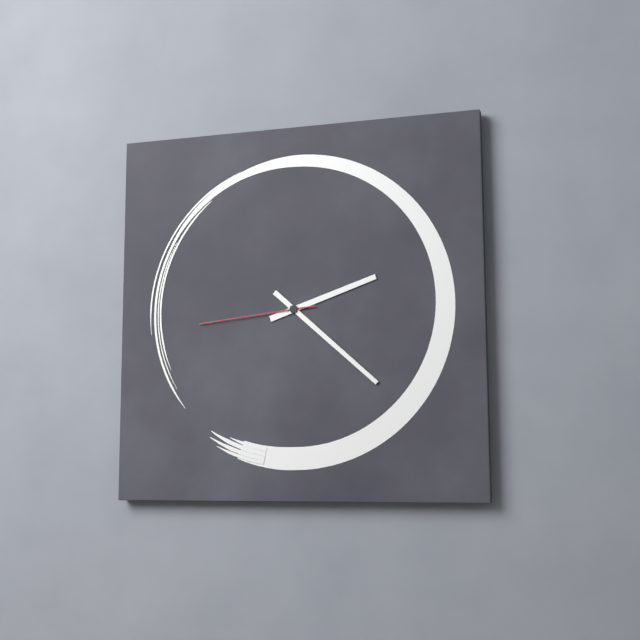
2,22,44
